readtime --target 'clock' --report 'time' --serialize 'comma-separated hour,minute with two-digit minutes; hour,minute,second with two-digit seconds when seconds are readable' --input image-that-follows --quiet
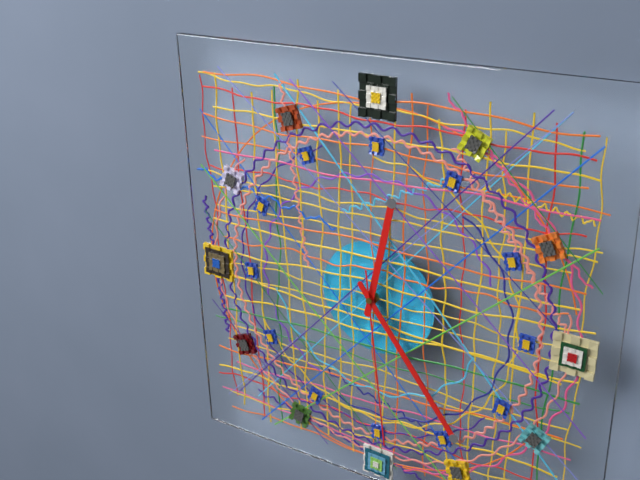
12,24,29
